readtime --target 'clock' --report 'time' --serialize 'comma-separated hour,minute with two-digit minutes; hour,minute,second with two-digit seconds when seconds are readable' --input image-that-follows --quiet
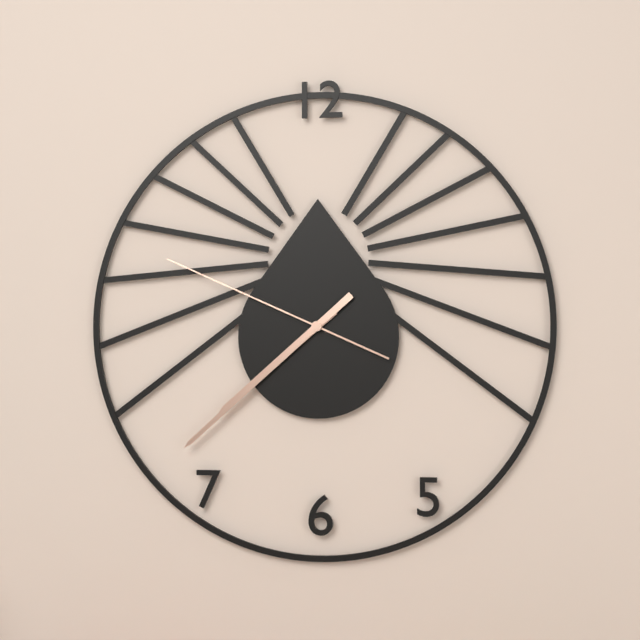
7,38,49
